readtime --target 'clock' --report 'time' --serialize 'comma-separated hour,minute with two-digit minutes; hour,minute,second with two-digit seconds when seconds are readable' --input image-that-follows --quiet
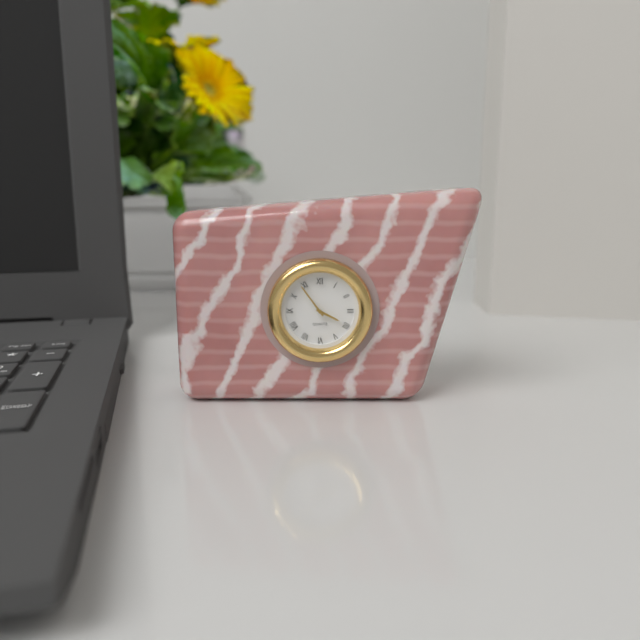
3,54
